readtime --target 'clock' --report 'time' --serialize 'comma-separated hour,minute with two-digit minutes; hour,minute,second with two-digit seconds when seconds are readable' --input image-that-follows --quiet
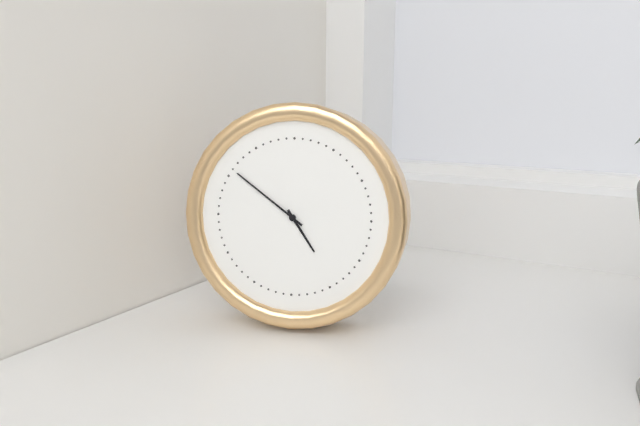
4,51
